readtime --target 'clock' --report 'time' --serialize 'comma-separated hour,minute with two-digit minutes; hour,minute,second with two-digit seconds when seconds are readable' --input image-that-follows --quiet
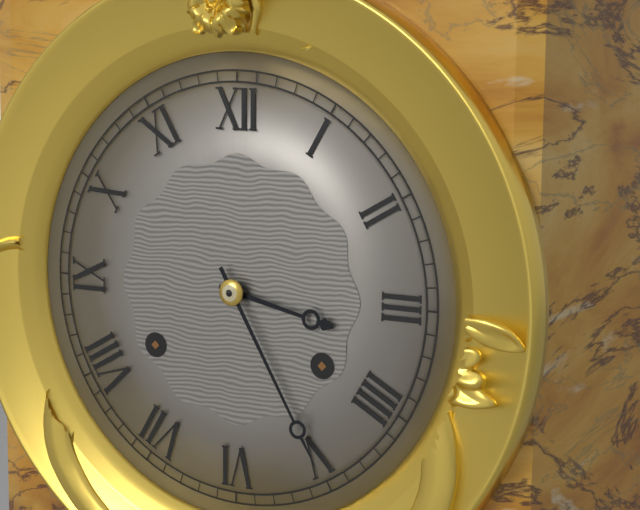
3,25
